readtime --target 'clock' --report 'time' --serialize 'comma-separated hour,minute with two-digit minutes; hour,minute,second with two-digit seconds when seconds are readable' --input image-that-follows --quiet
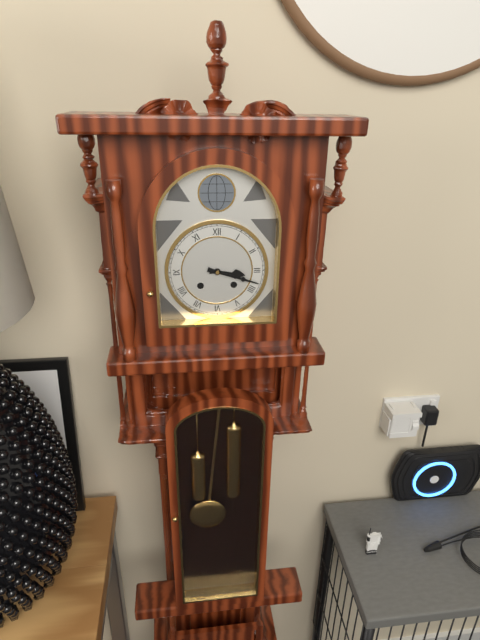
3,18
